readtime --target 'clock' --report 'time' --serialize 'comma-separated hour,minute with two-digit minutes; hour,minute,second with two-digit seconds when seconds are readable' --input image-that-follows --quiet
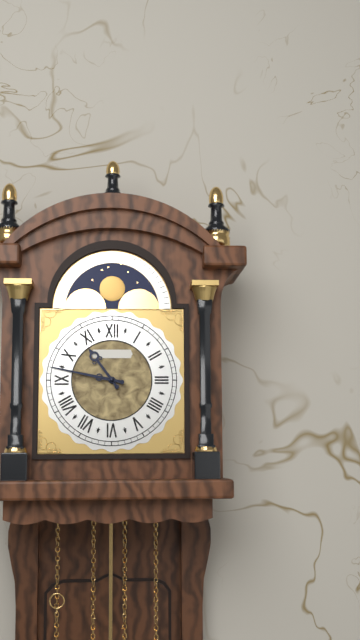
10,47
